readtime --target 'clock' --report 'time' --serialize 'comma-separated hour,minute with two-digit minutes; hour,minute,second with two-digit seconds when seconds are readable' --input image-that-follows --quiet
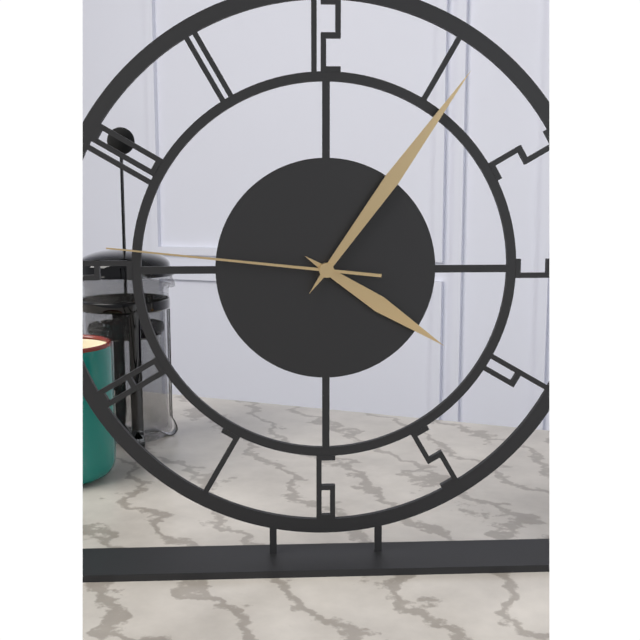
4,06,46
